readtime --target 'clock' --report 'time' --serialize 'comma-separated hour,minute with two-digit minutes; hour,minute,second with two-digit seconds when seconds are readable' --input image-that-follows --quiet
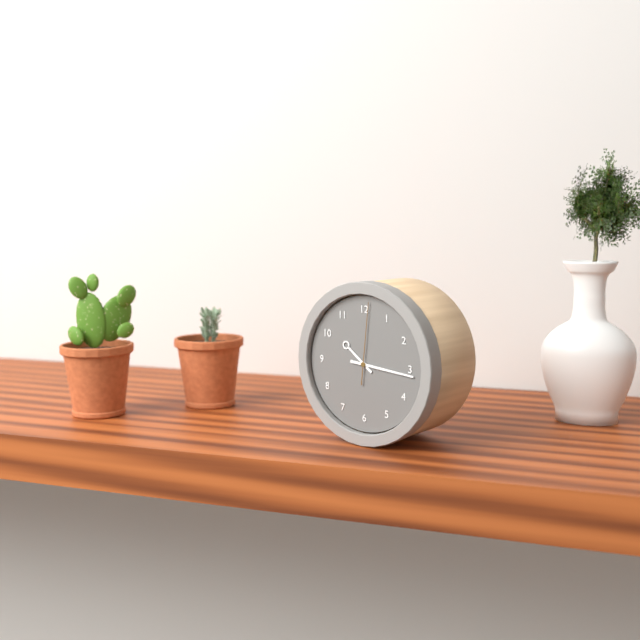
10,16,01
